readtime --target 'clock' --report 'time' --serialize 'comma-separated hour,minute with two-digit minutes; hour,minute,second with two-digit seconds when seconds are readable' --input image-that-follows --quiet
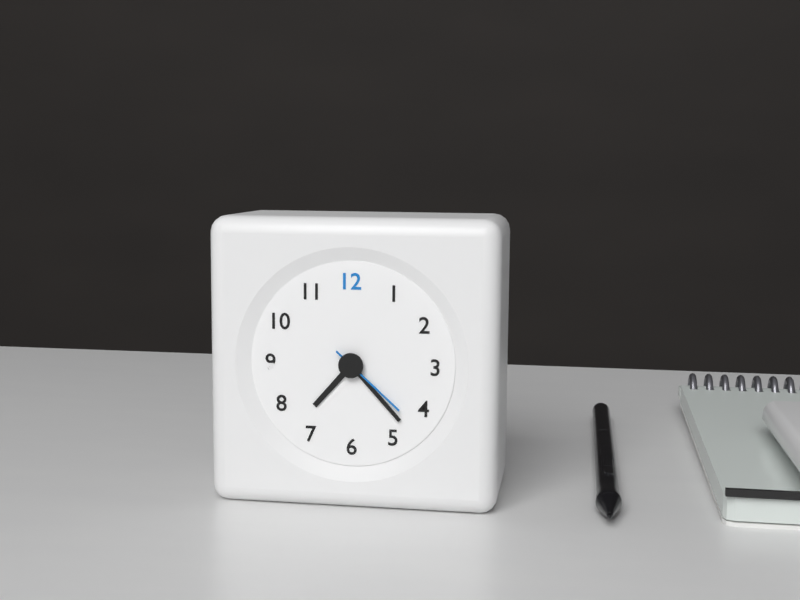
7,23,22
